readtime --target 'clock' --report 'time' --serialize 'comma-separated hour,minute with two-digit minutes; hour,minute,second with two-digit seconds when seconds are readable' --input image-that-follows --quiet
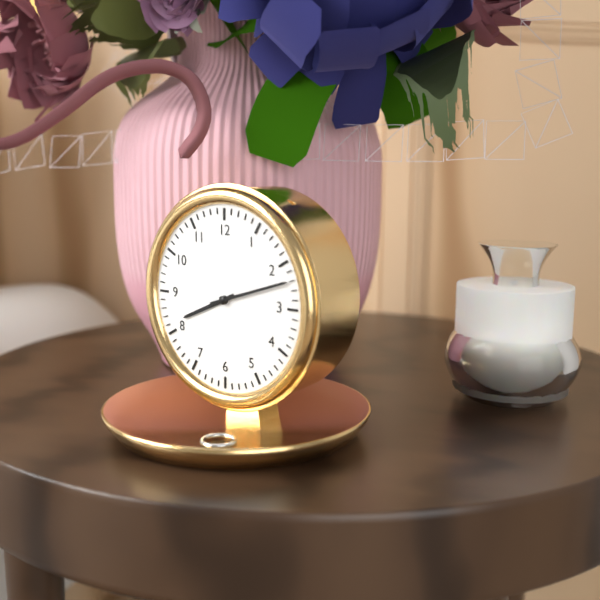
8,12
